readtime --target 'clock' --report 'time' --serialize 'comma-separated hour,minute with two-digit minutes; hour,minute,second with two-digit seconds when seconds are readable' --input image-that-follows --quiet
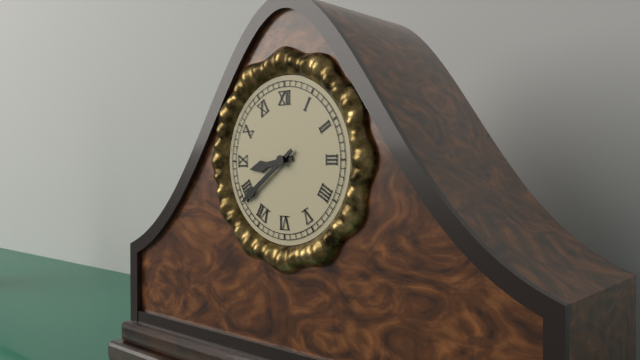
8,39
